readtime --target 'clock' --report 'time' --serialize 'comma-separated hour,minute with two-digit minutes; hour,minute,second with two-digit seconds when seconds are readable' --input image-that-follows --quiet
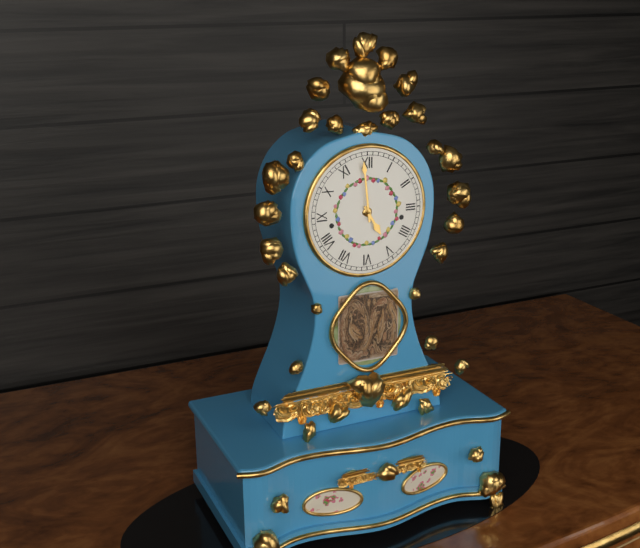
4,59
